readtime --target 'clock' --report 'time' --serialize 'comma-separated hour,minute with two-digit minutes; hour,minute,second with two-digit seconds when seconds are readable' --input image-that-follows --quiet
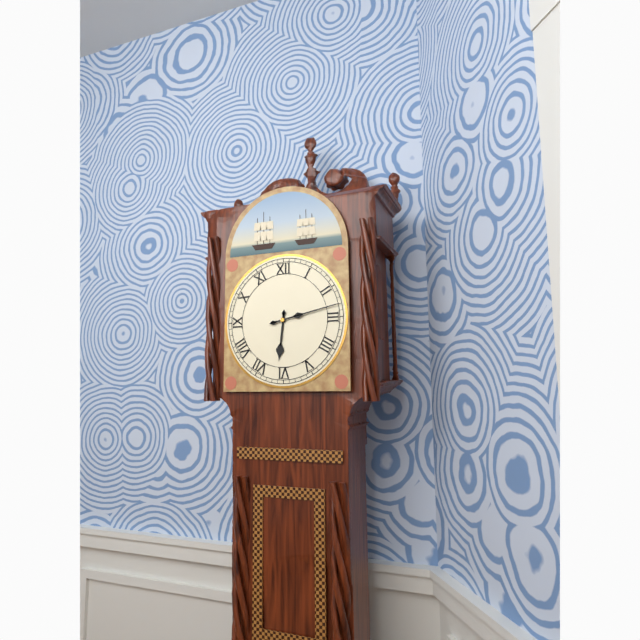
6,13
